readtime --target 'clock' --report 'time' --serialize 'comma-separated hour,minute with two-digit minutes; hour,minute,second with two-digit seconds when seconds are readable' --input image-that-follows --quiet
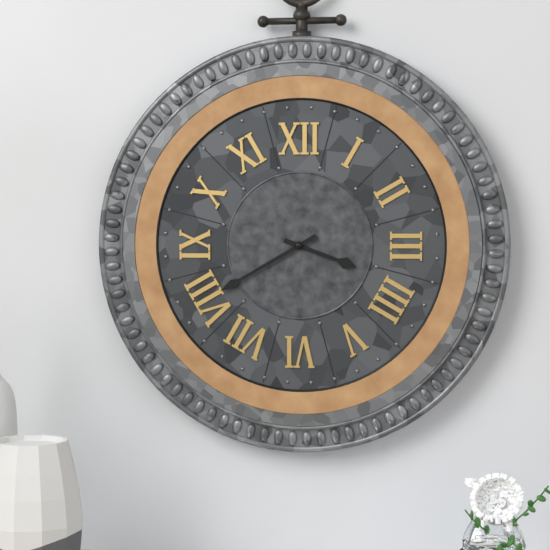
3,40
